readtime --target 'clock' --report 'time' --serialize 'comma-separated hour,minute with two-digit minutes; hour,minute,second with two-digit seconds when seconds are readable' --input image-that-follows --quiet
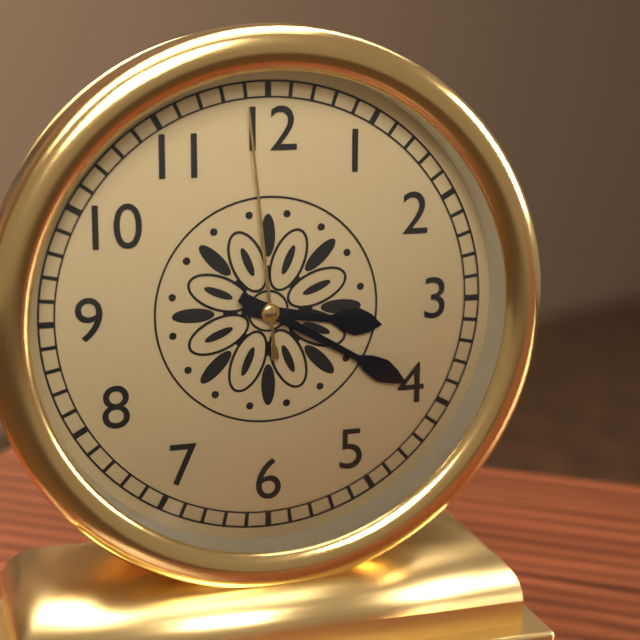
3,20,59
